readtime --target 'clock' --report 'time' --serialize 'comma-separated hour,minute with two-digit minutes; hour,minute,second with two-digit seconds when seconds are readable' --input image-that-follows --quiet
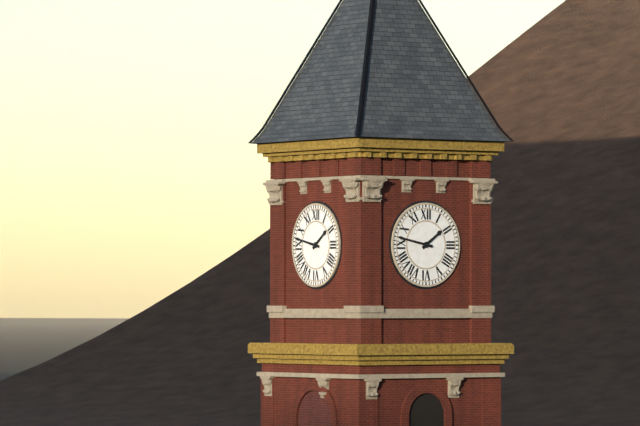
1,47
